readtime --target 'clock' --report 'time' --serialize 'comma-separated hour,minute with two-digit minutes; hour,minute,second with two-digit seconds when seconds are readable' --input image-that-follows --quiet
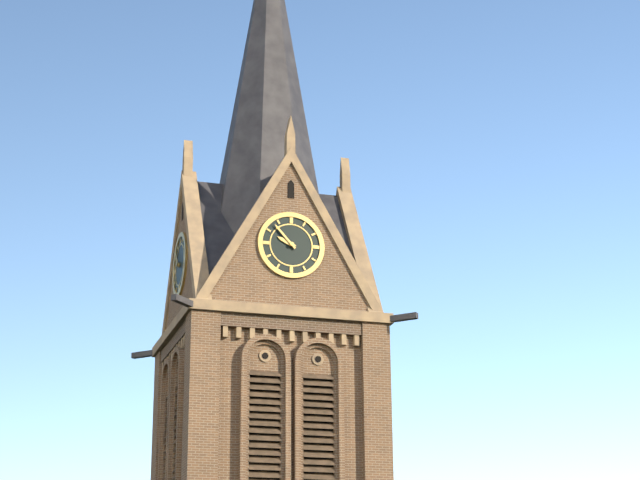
9,53
